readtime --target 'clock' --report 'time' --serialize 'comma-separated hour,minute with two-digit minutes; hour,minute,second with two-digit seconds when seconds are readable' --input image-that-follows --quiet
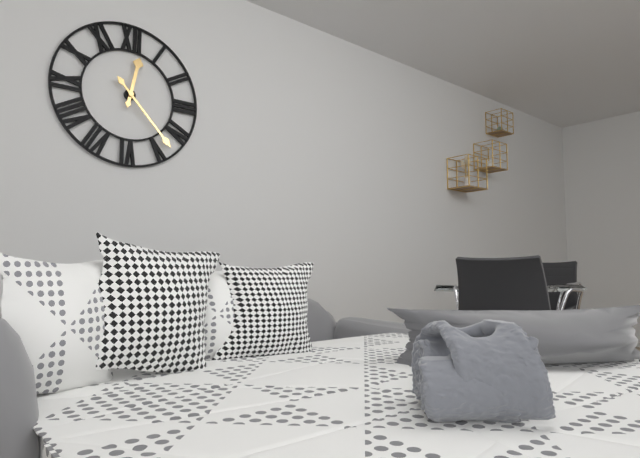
12,23
